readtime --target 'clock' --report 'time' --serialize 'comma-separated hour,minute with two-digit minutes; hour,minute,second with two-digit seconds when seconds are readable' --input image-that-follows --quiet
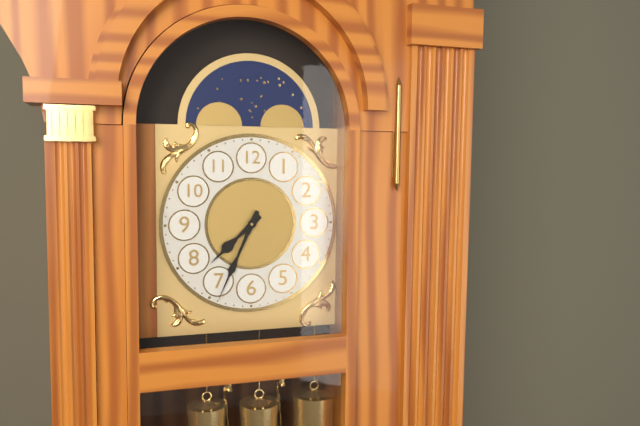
7,34
